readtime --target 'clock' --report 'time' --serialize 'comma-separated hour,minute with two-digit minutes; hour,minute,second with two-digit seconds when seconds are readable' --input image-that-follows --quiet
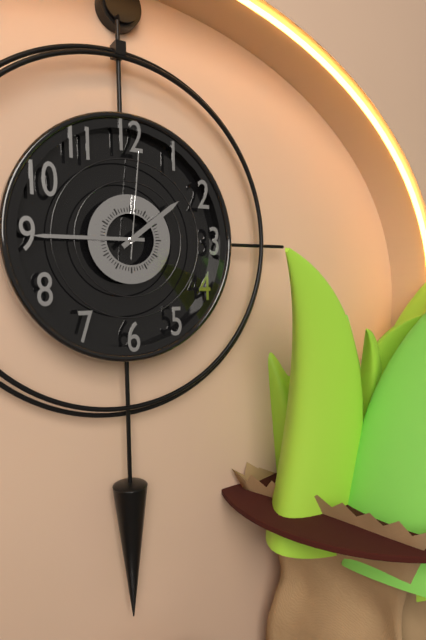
1,45,01
